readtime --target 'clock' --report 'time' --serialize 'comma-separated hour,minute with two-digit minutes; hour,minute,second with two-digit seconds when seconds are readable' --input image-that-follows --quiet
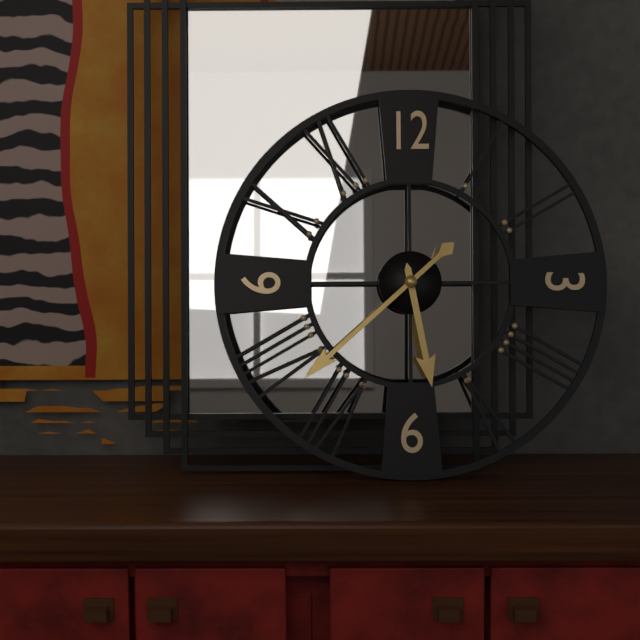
5,38
